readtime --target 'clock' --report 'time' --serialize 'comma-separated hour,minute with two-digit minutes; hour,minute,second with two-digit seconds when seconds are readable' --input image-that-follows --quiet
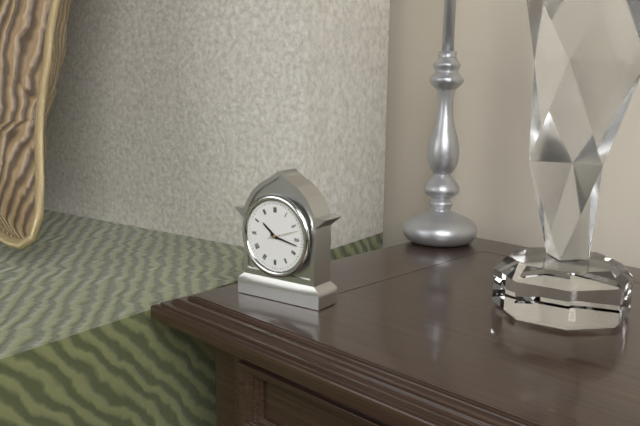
10,17
